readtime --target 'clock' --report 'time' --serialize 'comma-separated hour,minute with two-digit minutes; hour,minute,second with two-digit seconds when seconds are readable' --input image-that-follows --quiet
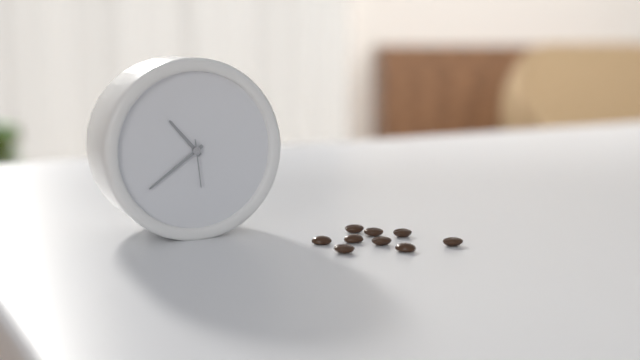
10,39
